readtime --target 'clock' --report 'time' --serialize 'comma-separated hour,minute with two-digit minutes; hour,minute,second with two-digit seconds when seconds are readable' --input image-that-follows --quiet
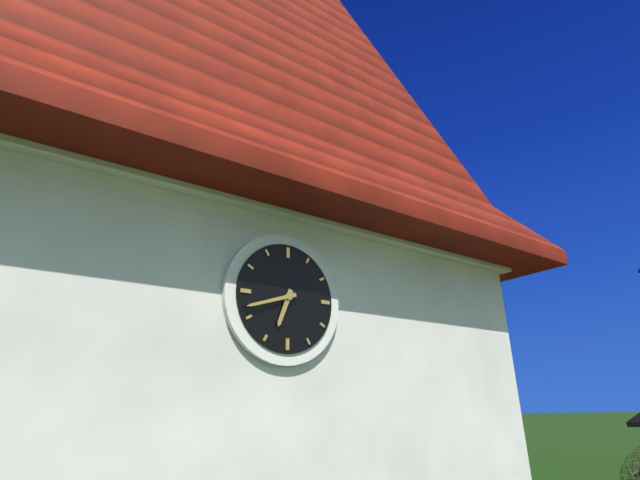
6,42
